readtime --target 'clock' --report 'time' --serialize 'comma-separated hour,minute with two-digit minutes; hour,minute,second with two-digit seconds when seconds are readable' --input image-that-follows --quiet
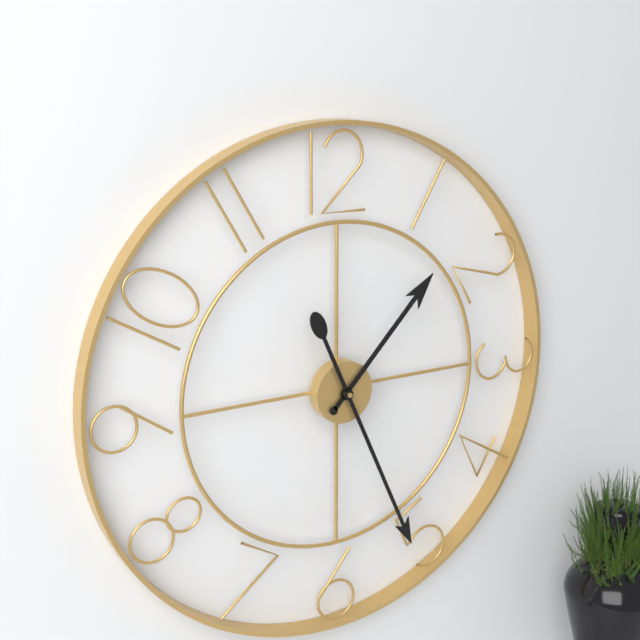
1,26
